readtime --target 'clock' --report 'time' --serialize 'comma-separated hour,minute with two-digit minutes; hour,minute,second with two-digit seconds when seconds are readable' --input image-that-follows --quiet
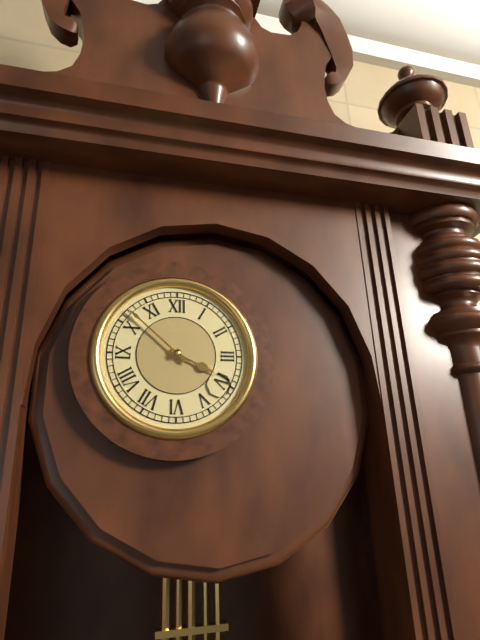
3,52
